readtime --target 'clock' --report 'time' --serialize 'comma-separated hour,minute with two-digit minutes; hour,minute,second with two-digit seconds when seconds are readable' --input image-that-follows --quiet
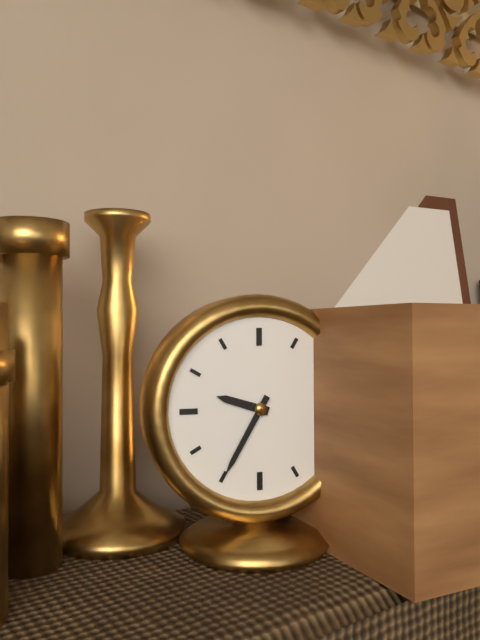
9,35
